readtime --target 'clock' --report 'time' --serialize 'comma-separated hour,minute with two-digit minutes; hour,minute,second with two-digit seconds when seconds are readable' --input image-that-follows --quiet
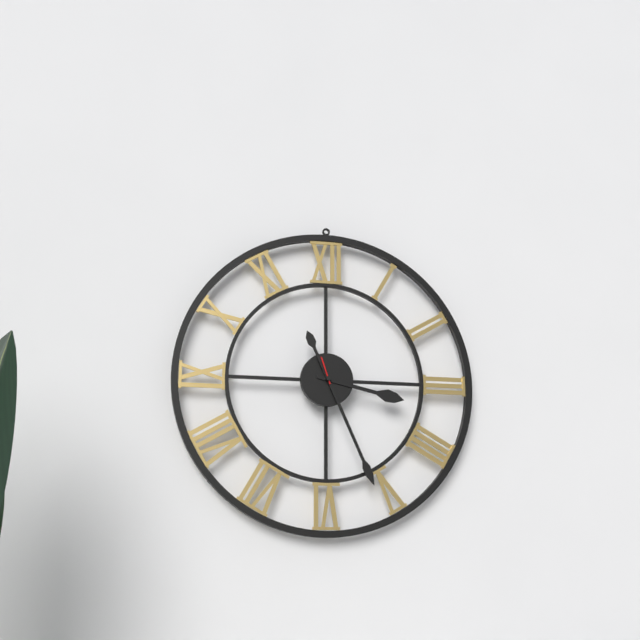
3,26
